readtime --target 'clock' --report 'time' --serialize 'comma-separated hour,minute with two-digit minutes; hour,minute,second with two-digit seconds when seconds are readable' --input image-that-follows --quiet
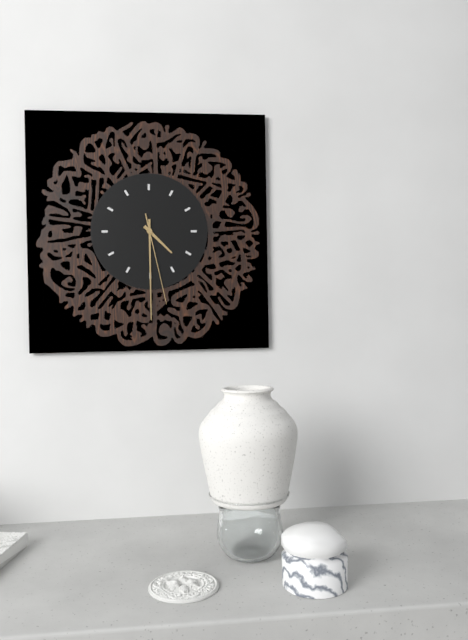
4,30,28
